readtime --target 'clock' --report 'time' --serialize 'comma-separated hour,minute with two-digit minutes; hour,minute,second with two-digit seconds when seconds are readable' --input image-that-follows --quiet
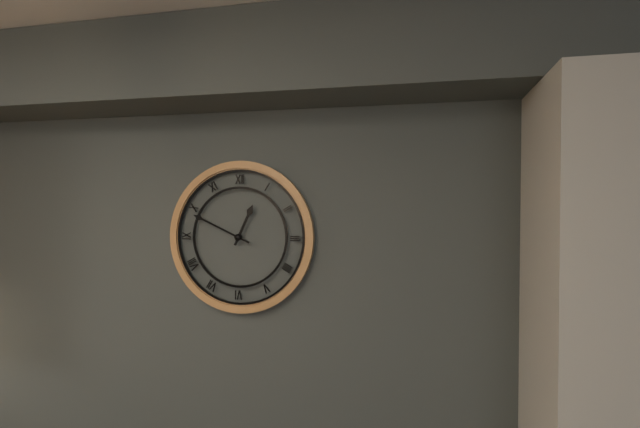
12,49
